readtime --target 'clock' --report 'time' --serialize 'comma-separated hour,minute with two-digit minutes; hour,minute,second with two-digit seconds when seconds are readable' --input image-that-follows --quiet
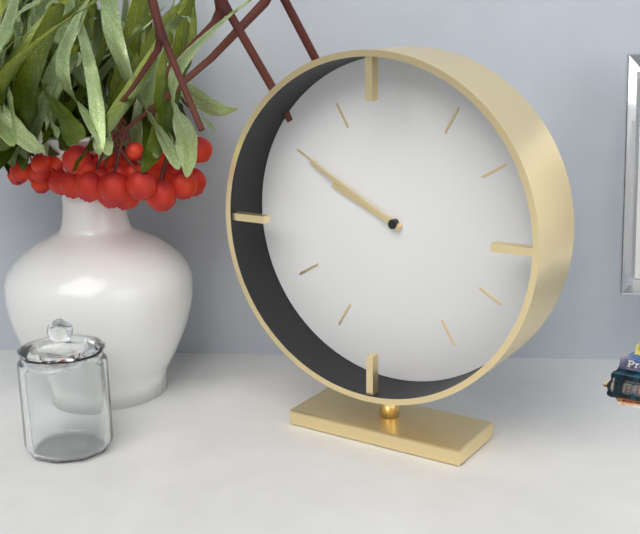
9,50
